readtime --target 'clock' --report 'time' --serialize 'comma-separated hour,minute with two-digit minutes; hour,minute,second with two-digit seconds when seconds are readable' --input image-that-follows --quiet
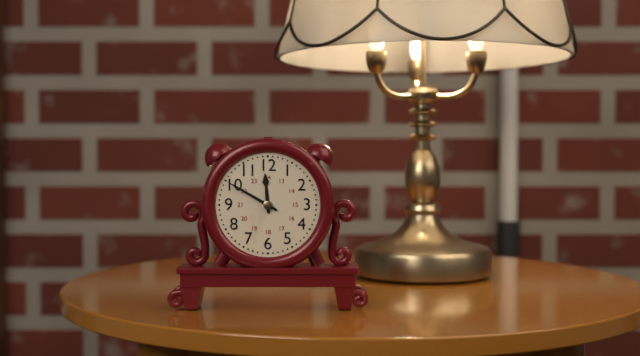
11,50
